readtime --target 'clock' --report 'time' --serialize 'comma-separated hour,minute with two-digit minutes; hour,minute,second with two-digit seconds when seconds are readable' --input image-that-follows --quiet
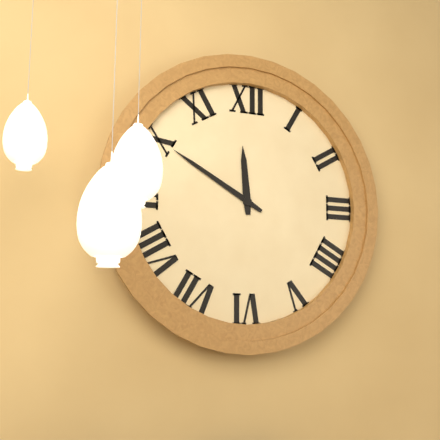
11,50
